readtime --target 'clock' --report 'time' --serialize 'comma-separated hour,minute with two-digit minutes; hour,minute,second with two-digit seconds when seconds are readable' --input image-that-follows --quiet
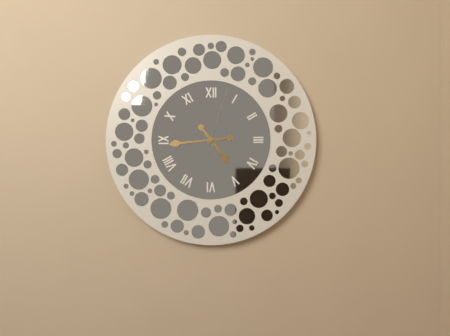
4,44,03
